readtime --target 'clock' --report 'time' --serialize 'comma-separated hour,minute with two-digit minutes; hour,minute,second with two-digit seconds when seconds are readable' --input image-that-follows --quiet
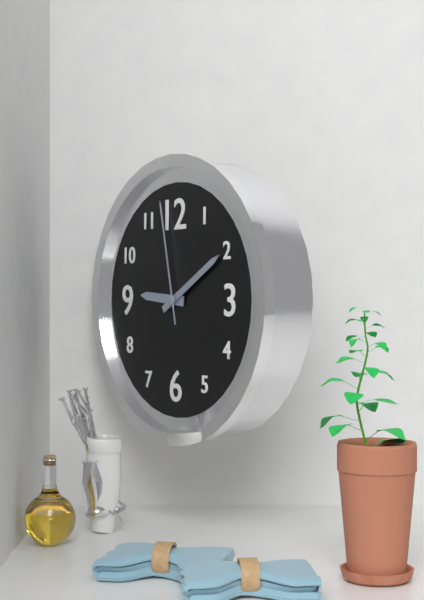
9,10,58
